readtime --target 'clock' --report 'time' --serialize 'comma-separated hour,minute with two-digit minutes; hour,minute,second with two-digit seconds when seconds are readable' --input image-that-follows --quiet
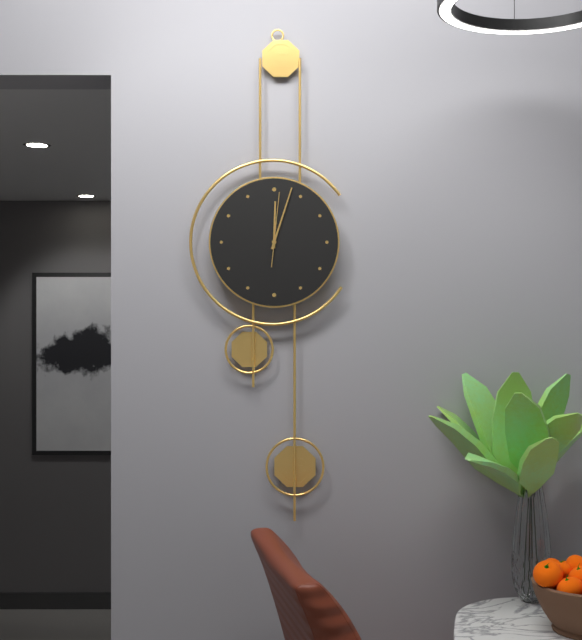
12,03,01
